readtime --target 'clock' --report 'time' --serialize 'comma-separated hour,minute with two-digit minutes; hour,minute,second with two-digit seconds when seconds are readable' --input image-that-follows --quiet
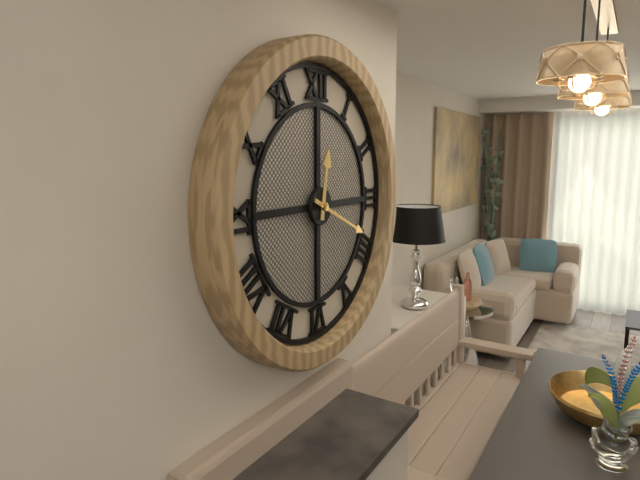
12,19
